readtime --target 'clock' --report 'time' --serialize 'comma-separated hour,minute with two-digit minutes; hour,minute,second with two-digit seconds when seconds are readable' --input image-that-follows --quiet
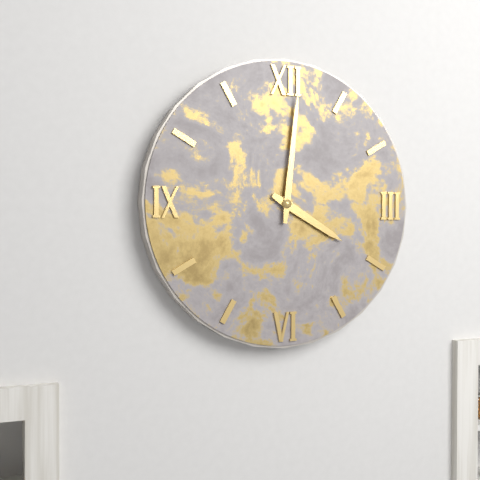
4,01
